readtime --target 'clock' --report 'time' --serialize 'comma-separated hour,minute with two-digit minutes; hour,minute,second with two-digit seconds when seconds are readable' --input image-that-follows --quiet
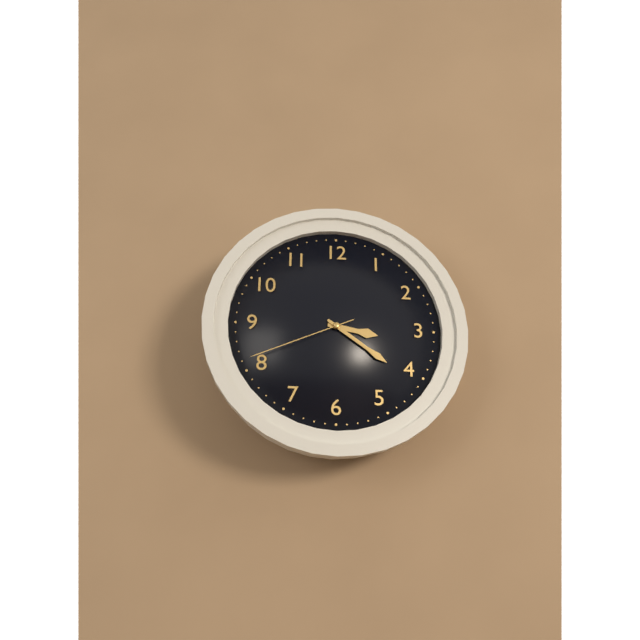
3,21,41
